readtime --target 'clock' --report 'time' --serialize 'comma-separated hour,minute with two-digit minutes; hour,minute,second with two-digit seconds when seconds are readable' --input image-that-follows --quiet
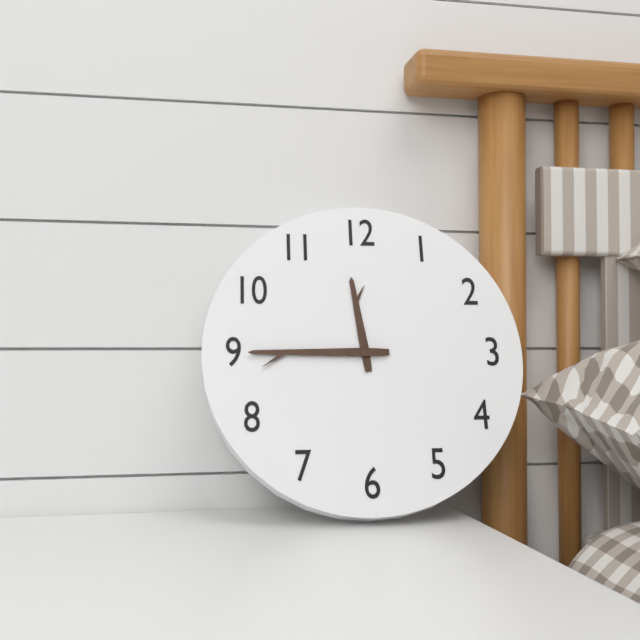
11,45
